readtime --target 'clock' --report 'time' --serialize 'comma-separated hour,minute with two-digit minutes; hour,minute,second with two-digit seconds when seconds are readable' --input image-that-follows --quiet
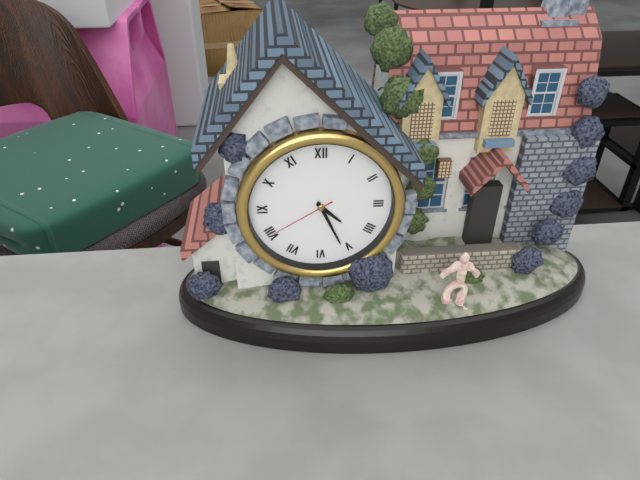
4,26,40
